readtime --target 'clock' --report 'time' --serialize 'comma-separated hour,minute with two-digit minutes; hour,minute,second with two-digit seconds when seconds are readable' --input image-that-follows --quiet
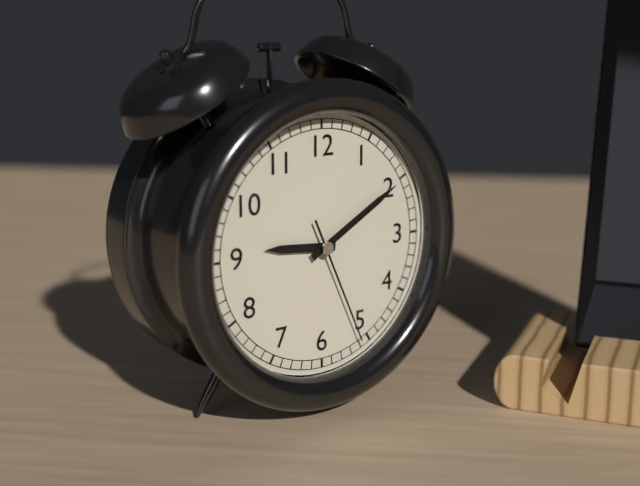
9,10,26
